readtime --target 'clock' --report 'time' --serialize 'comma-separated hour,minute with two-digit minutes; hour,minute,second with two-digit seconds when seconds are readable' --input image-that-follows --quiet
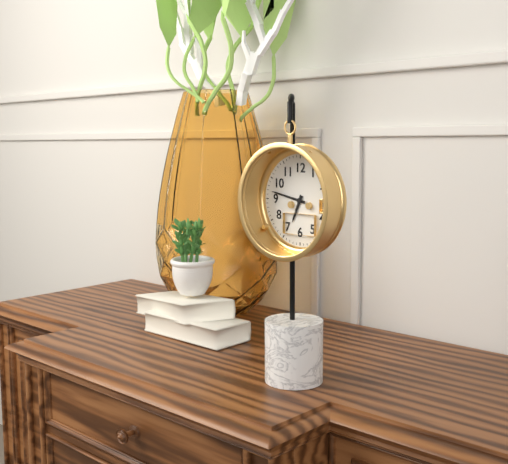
6,47
